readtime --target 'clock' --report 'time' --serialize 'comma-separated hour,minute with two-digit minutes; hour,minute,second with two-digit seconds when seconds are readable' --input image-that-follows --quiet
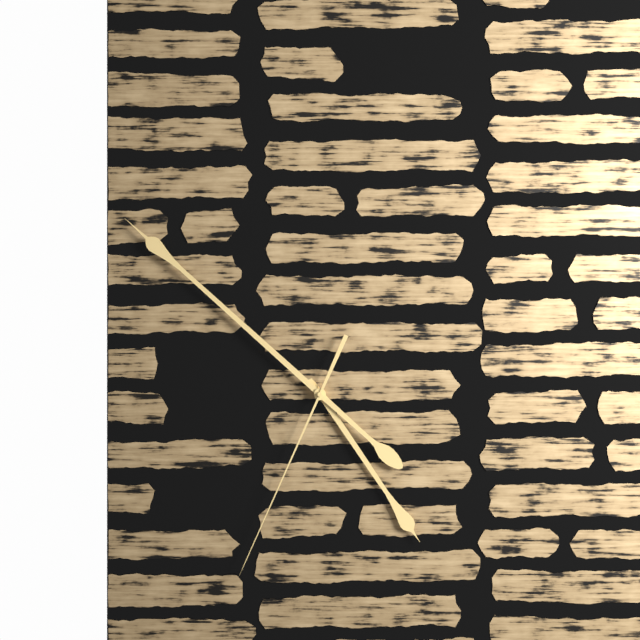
4,52,34
